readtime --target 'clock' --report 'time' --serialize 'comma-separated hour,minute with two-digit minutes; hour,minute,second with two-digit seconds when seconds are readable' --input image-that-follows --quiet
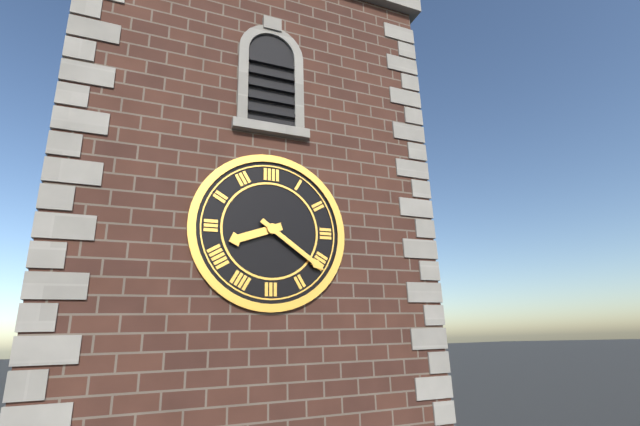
8,21
